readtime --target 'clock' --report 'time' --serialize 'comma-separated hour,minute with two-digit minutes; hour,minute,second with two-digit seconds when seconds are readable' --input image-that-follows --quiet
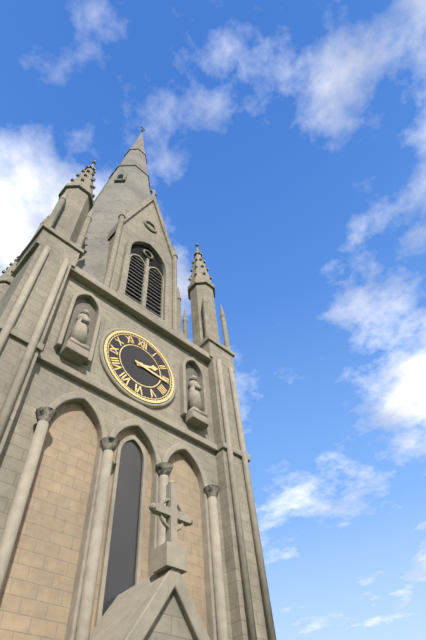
2,16
